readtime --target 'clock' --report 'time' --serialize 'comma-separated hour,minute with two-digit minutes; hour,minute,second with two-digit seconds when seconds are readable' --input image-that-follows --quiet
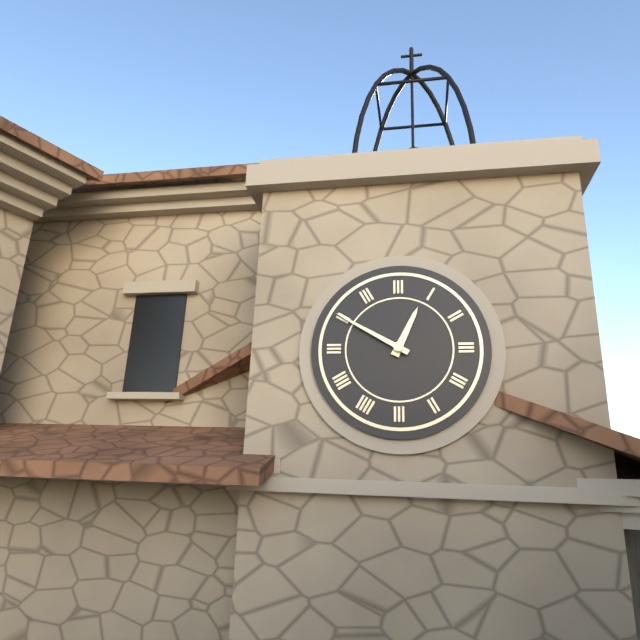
12,50
